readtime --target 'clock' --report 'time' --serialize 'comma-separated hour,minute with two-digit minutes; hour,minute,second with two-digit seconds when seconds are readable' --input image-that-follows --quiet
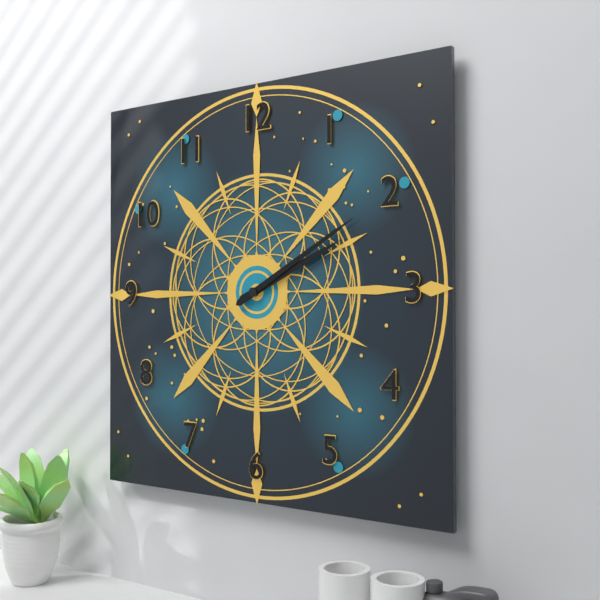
2,10
